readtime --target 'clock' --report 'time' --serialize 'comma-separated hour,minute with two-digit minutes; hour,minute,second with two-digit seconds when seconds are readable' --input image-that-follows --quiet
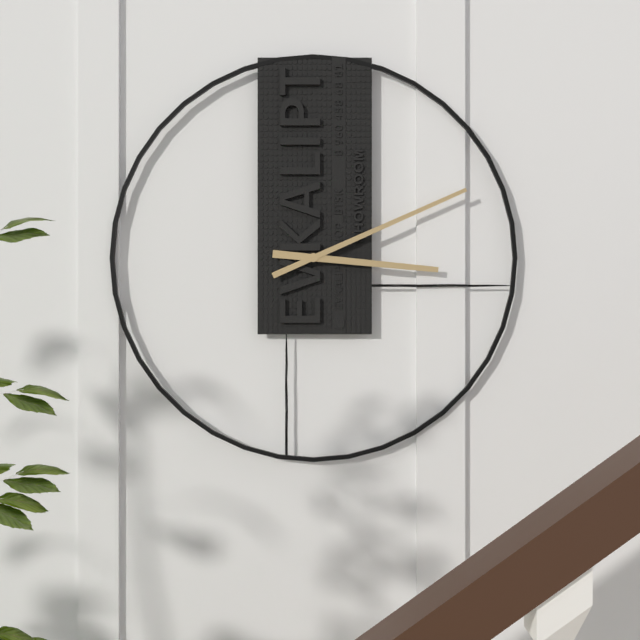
3,11
